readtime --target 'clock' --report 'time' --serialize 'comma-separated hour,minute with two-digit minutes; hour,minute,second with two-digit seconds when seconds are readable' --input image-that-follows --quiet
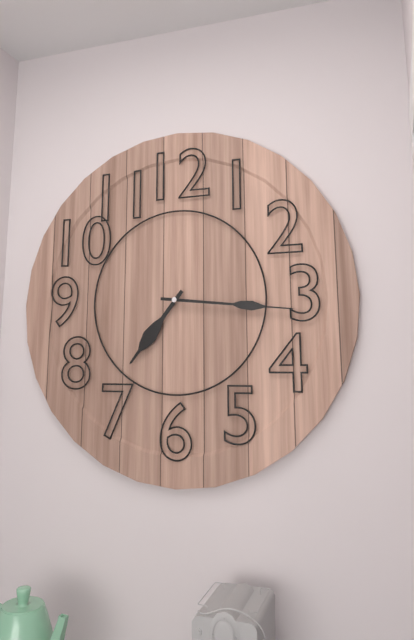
7,16
